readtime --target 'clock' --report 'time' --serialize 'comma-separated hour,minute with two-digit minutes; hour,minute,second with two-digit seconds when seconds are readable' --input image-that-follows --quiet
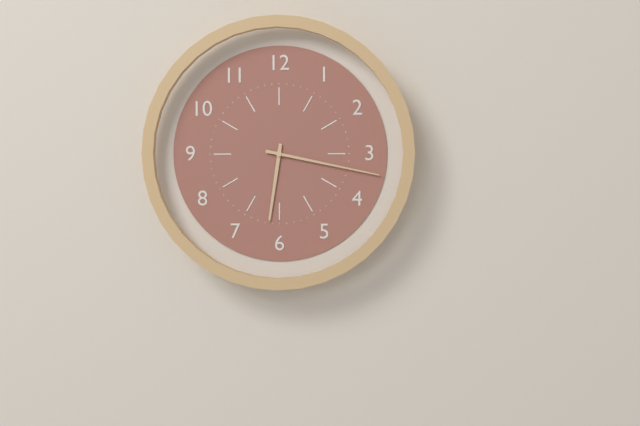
6,17
